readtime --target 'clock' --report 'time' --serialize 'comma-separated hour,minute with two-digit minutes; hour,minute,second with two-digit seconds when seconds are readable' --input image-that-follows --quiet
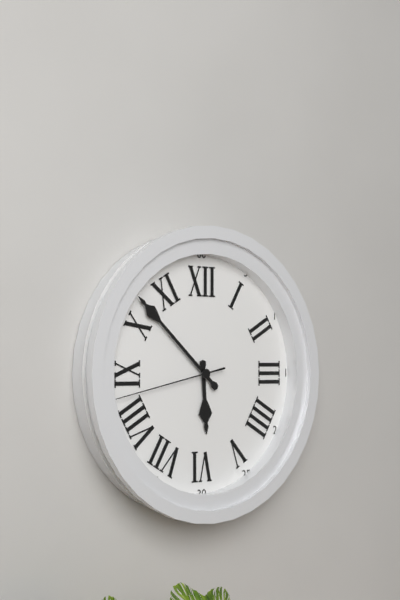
5,52,43
